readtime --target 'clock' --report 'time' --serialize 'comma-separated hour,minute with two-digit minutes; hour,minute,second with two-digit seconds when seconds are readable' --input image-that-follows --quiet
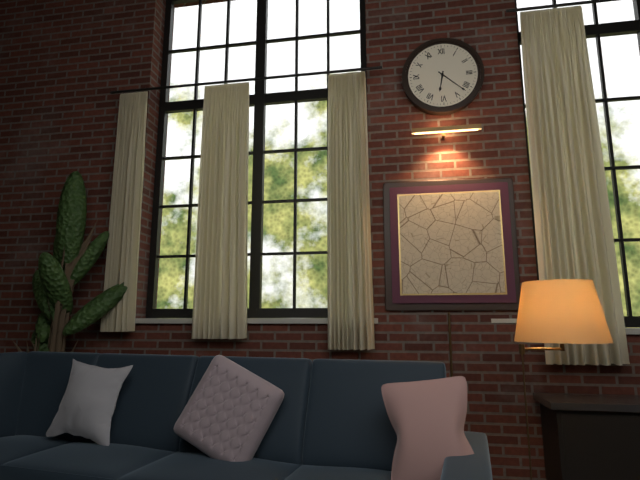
6,22
